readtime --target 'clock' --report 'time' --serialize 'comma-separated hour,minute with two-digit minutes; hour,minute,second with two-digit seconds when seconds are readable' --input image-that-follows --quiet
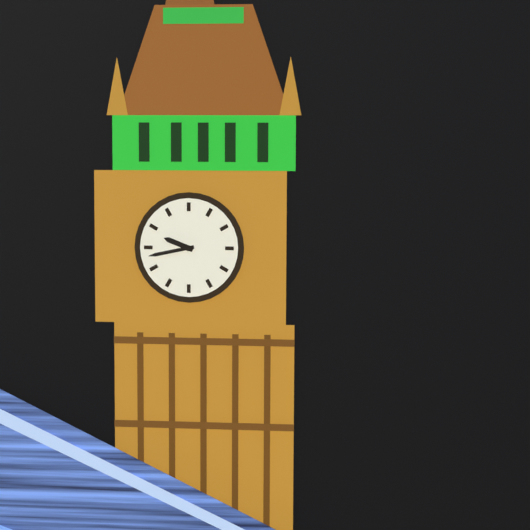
9,43
